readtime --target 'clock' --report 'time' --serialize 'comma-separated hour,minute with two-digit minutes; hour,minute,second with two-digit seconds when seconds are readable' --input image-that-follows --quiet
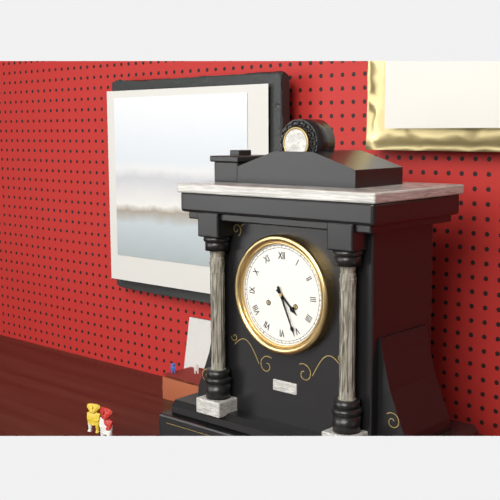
4,26
